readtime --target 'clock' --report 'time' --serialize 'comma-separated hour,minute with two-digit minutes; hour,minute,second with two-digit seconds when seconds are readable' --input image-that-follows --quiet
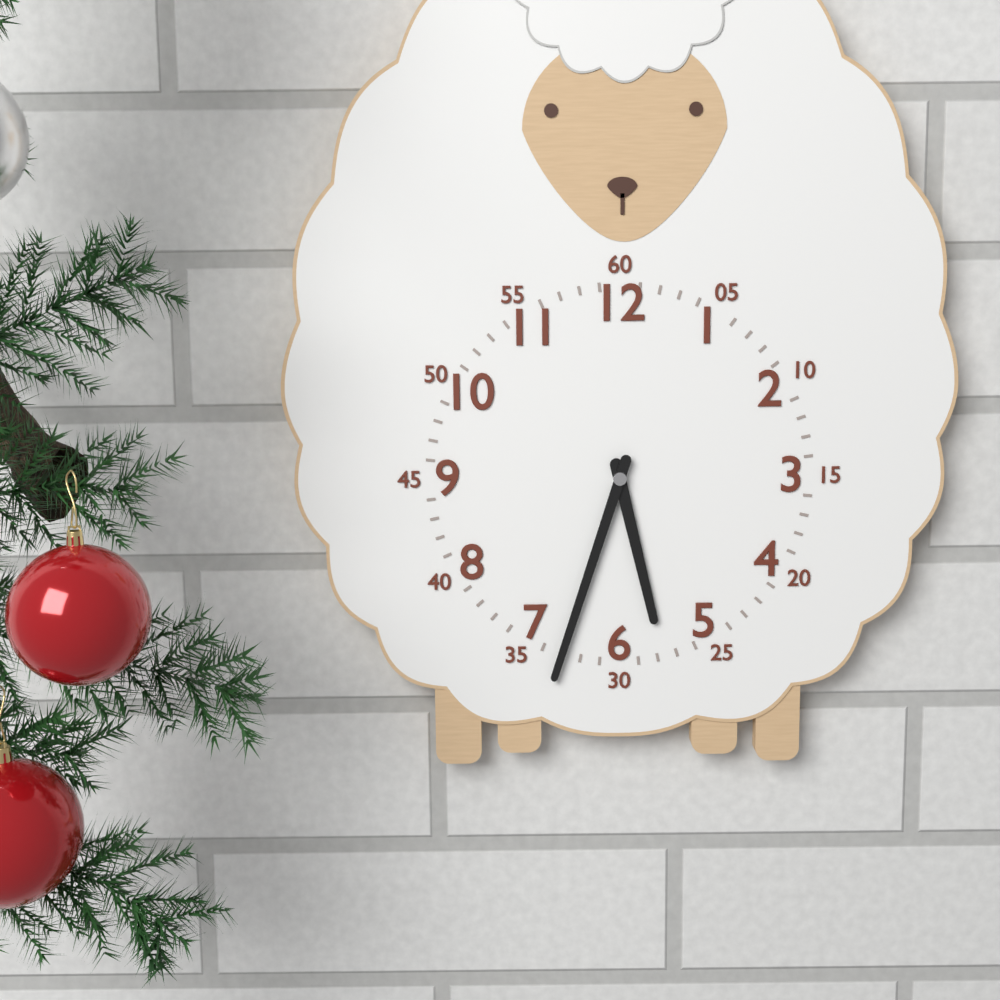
5,33
